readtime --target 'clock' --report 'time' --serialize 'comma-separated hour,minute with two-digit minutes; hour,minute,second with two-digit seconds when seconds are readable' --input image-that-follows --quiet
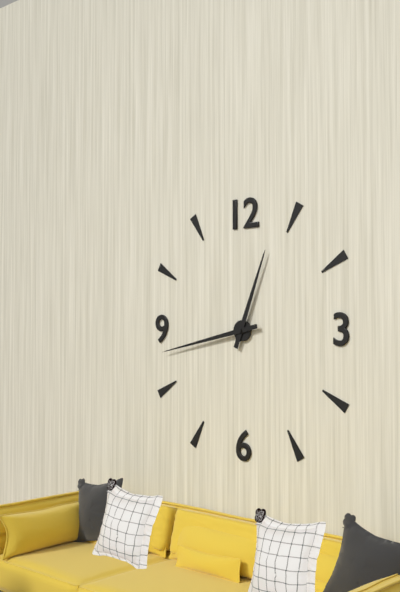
12,43
